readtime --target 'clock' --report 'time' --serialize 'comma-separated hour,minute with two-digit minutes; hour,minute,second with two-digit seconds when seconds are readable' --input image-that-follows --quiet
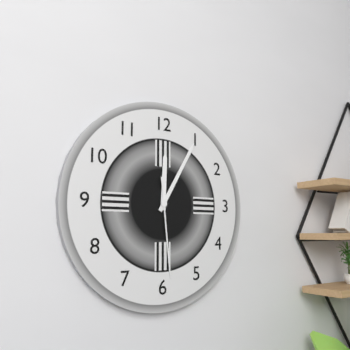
12,05,29
